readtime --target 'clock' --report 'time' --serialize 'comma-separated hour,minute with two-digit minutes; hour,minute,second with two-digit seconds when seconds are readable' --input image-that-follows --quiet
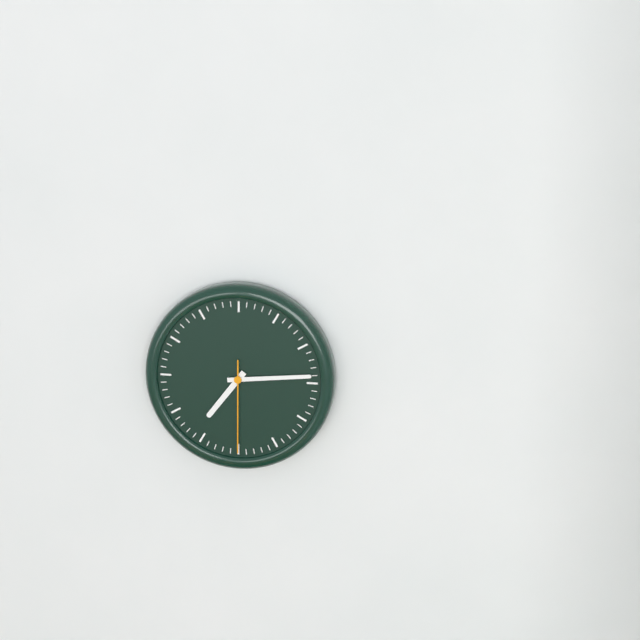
7,14,30
